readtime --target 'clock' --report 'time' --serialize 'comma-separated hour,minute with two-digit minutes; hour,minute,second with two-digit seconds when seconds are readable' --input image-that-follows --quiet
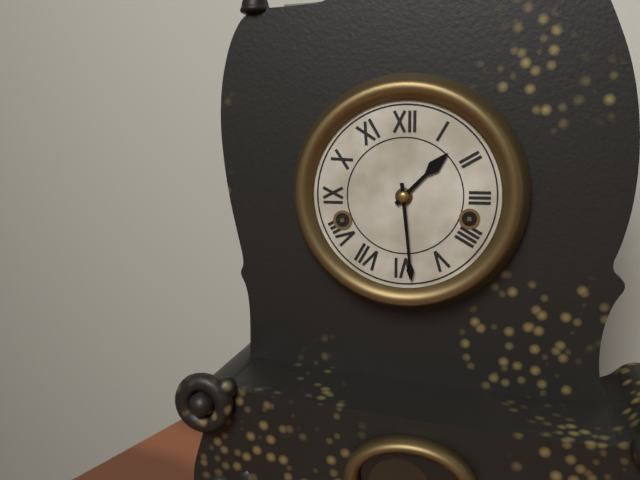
1,29
